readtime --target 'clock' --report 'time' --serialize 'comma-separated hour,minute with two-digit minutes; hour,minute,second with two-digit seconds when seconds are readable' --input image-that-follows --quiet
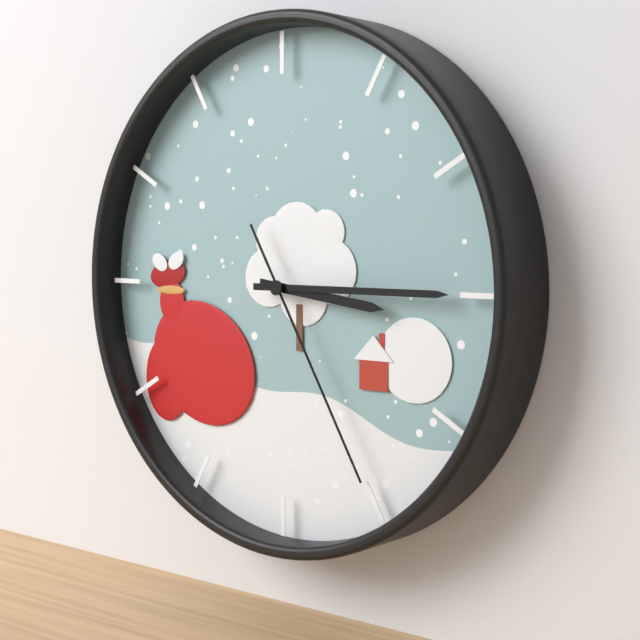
3,15,25
